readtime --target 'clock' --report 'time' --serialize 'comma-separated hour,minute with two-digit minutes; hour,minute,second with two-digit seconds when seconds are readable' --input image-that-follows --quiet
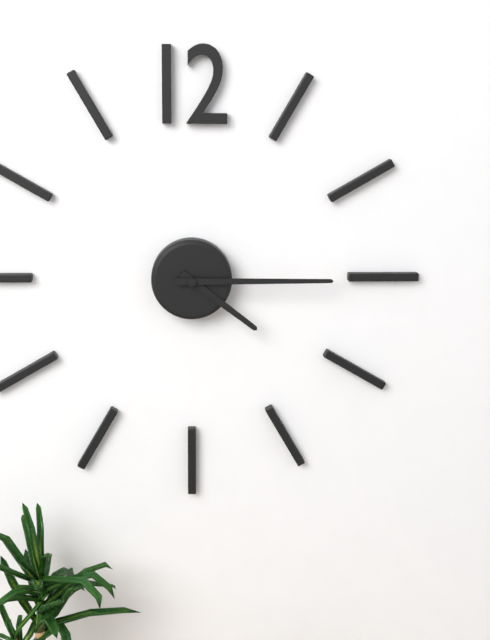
4,15
